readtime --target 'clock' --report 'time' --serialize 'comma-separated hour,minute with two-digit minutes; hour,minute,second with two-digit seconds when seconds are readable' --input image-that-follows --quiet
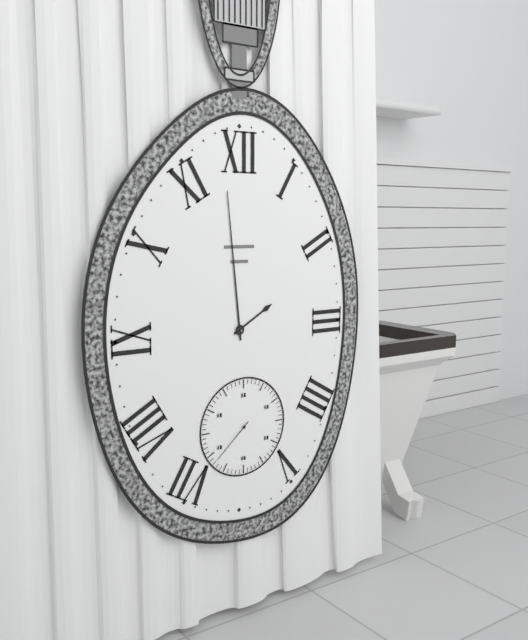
1,59,38
